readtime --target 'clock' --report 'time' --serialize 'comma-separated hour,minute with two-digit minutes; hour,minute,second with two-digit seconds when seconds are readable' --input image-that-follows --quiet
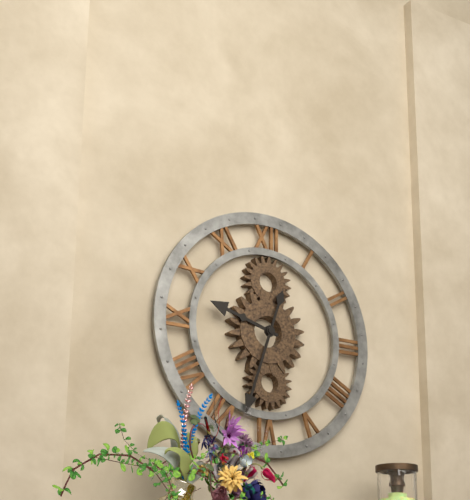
9,33
